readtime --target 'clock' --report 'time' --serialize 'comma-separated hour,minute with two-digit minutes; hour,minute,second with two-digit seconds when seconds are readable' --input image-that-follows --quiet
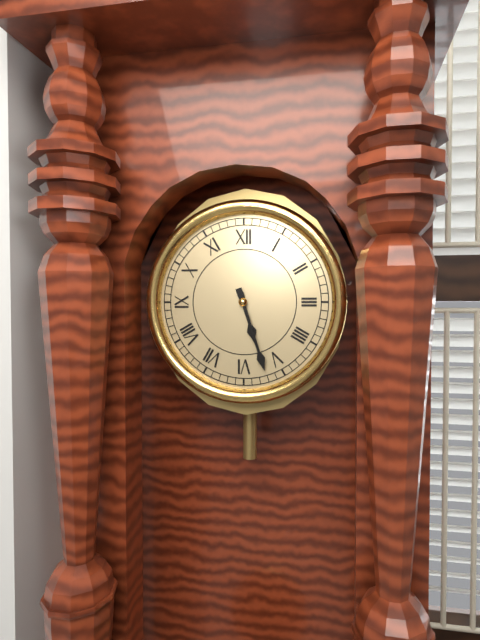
5,27
